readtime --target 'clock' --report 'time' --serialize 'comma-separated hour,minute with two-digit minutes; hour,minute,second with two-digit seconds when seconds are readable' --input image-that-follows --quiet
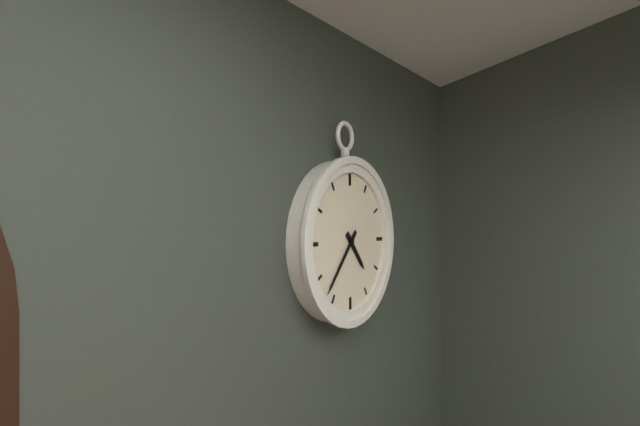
4,37
